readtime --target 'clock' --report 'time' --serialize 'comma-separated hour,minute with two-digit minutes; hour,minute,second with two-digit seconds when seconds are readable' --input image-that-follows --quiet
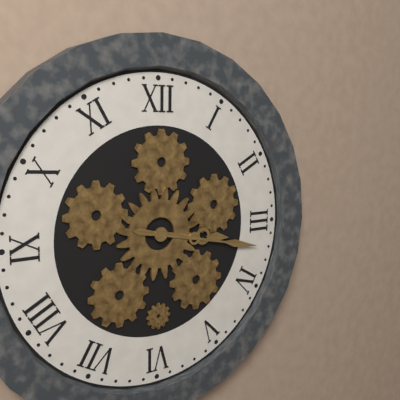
3,17
